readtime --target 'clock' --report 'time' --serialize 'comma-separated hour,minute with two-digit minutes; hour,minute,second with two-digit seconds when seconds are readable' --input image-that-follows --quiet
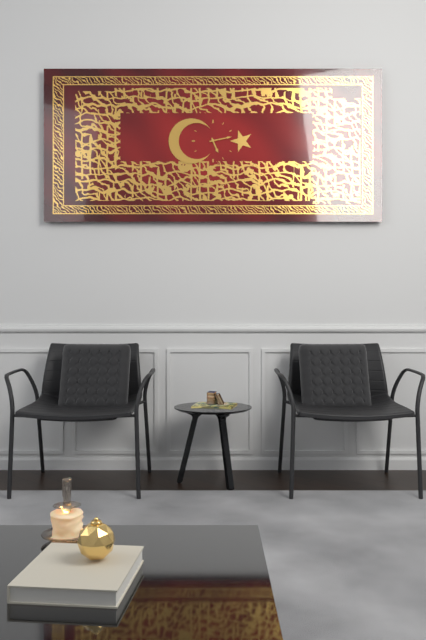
5,13
